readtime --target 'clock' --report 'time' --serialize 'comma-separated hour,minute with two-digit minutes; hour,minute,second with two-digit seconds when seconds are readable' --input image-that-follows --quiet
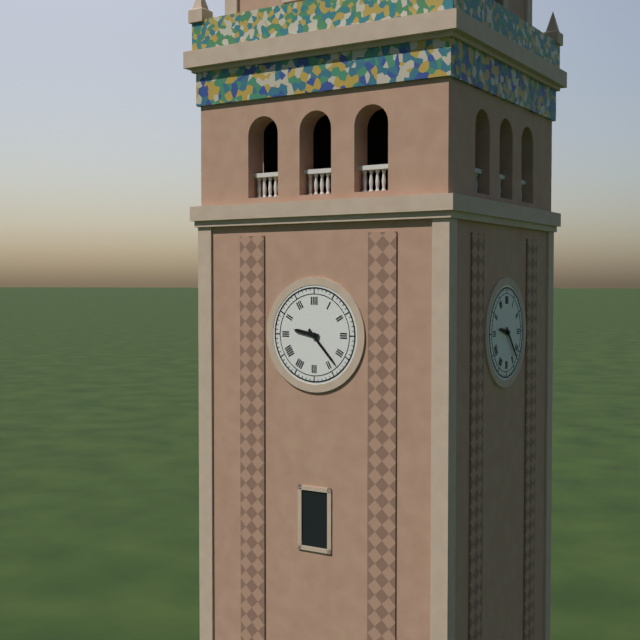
9,23
